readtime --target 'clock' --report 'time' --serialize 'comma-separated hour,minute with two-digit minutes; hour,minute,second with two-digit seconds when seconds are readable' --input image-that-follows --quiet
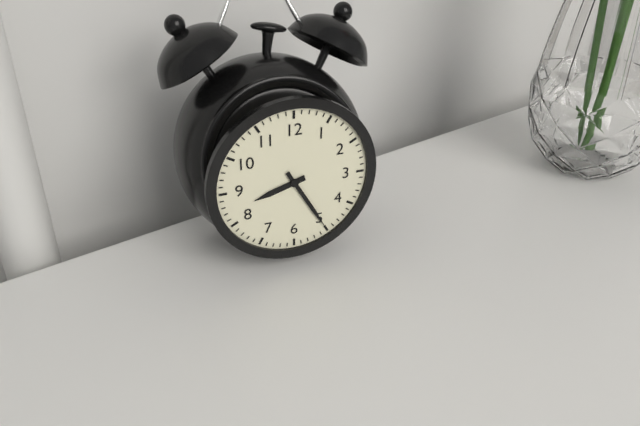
8,25
